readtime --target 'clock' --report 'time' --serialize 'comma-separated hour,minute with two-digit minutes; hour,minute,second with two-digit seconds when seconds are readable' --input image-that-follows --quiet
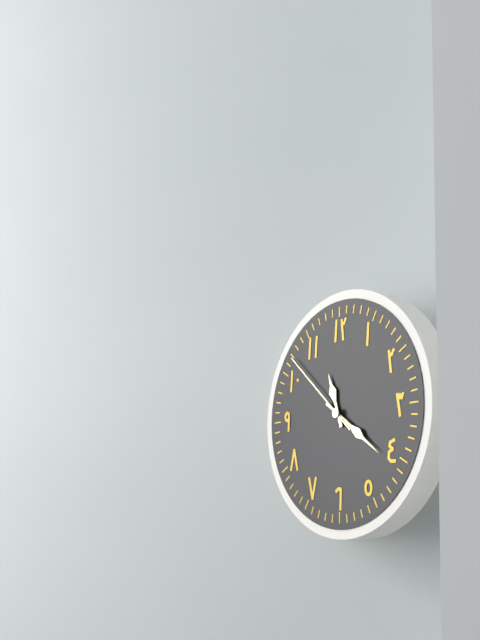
11,21,52
